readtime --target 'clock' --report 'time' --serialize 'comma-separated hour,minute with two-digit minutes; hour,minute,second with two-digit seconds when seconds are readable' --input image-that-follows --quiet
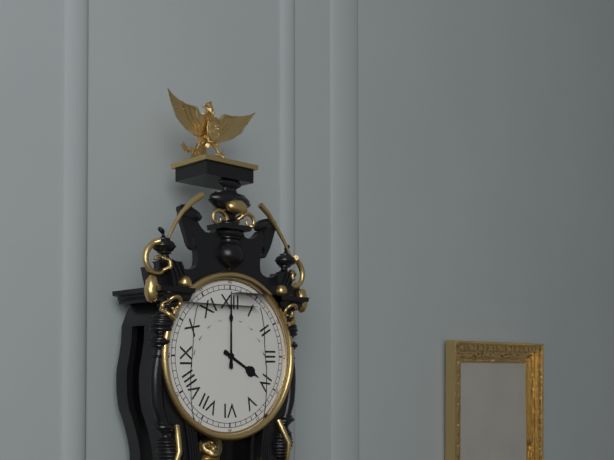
4,00
